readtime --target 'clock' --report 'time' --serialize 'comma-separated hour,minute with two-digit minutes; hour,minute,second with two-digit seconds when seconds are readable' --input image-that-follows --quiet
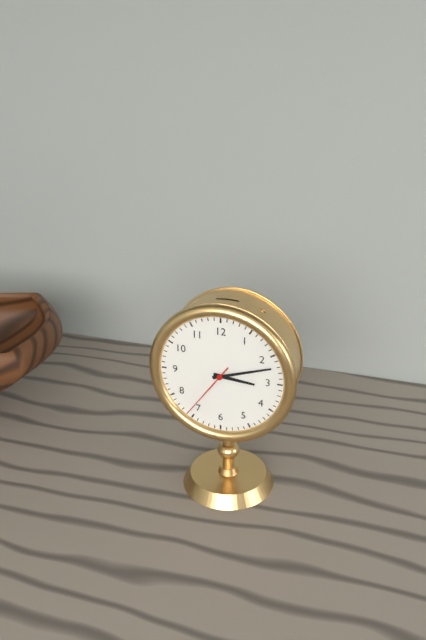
3,12,36
